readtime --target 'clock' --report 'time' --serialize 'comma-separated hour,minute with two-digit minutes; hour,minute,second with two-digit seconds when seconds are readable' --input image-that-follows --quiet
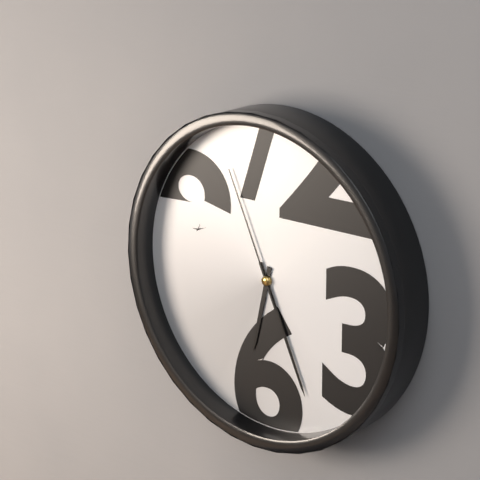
6,26,56
